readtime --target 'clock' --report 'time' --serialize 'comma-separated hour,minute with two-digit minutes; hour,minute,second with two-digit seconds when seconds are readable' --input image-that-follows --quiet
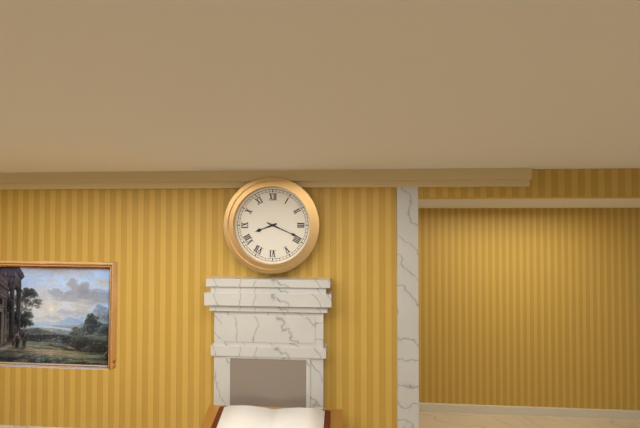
8,19
